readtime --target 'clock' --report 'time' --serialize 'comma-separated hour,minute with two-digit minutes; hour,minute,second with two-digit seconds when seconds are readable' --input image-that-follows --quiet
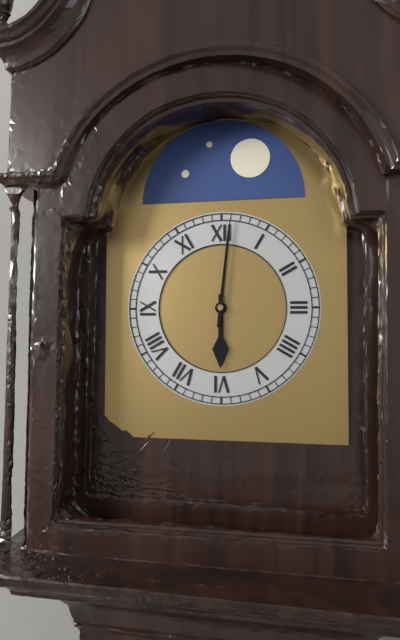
6,01
